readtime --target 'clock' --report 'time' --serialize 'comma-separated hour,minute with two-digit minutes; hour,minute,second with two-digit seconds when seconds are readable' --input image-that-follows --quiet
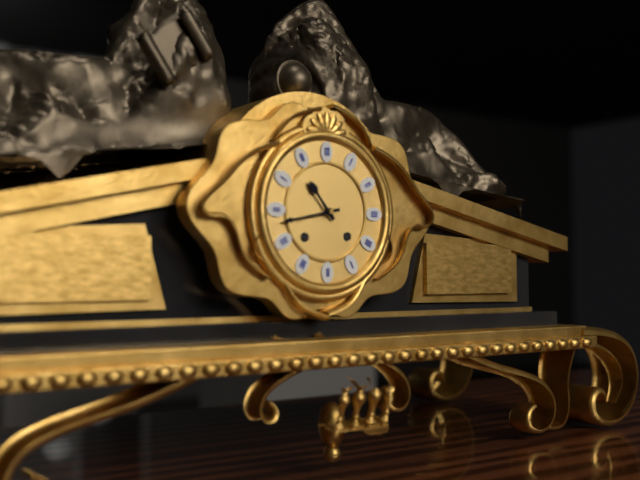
10,43
